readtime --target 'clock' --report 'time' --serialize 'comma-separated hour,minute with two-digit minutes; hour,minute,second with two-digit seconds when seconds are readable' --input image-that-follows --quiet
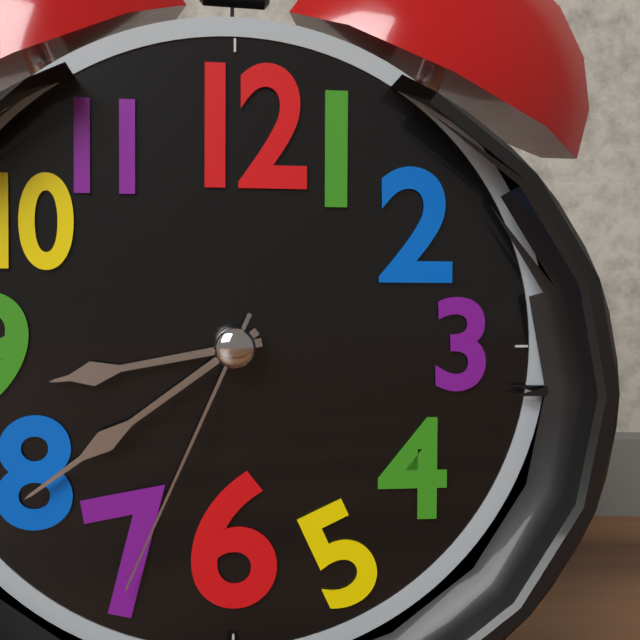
8,39,34
